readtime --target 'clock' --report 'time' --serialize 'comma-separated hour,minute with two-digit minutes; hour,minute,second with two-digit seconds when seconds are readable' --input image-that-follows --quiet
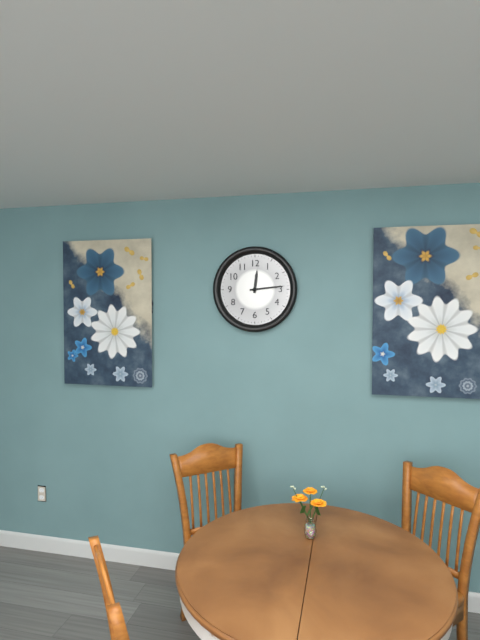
12,14
